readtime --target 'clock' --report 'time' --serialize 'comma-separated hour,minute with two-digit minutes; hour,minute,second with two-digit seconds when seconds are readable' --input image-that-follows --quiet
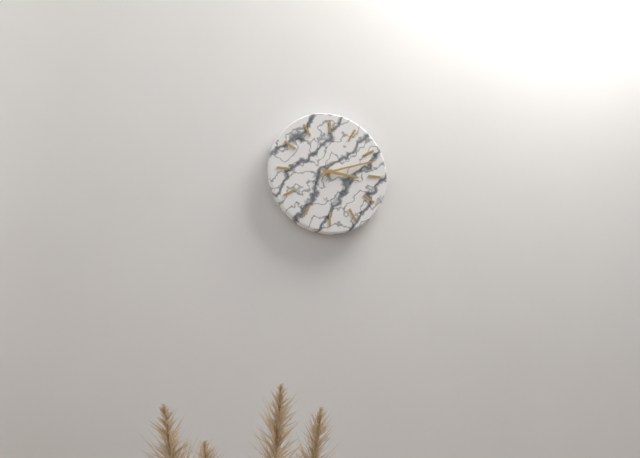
3,12
